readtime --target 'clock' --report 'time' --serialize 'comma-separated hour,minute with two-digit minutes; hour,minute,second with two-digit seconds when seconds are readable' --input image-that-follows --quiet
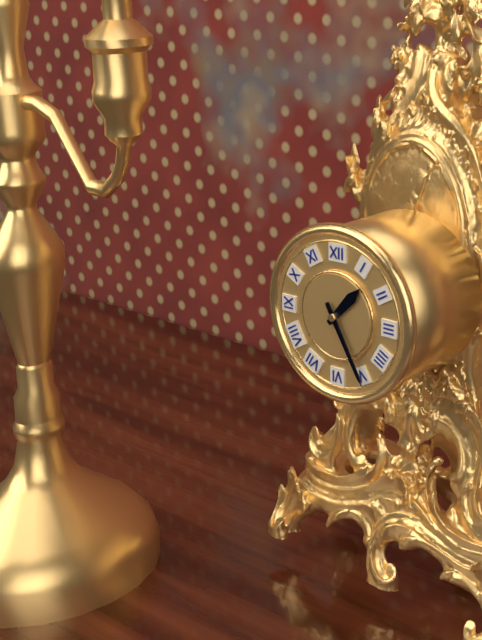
1,25
